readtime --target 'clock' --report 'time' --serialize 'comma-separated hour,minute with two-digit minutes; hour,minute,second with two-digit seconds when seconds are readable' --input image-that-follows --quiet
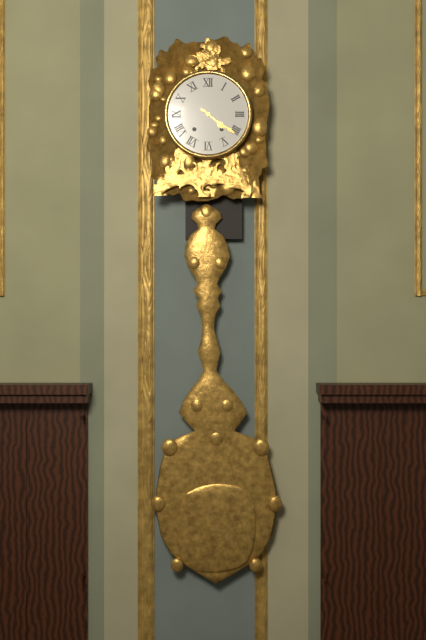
4,21
